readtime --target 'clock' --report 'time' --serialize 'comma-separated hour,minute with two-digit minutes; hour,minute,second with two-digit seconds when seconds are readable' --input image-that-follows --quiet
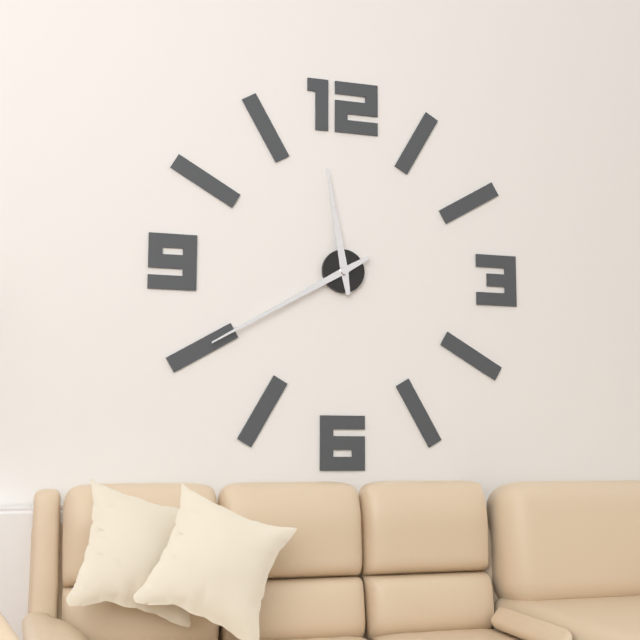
11,40
